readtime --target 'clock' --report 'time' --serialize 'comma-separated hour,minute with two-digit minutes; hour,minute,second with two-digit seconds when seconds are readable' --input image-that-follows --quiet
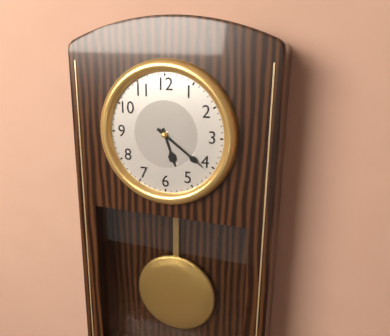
5,21
